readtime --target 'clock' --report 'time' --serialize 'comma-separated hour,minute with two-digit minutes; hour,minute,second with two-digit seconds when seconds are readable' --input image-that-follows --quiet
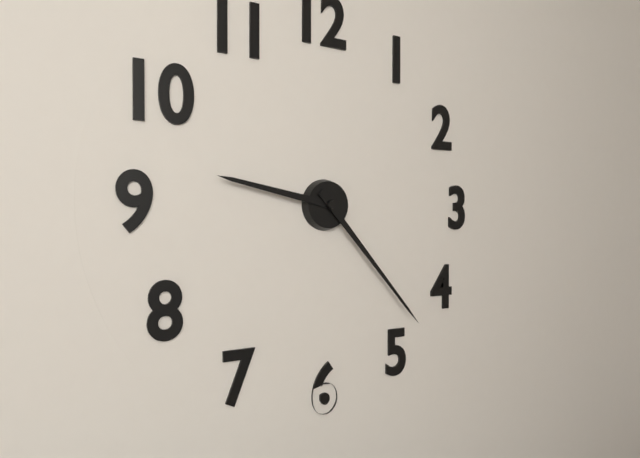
9,23
